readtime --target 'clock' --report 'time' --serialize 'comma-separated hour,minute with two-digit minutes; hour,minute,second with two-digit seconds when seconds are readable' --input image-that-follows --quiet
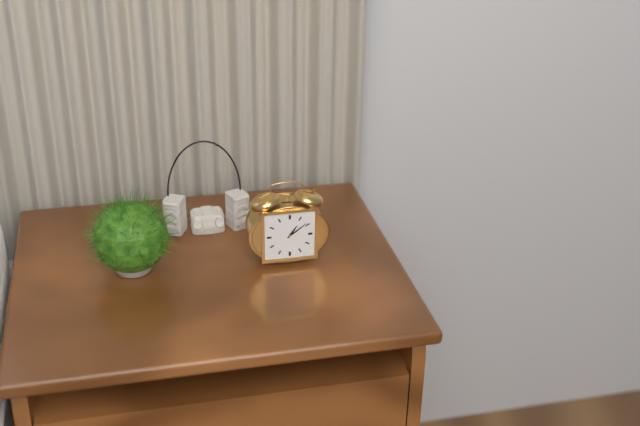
1,09
